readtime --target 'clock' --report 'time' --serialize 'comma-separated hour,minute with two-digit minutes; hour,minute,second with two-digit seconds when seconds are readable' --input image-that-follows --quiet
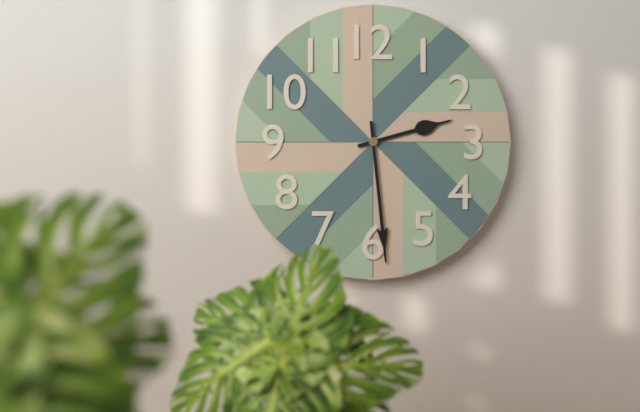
2,29
